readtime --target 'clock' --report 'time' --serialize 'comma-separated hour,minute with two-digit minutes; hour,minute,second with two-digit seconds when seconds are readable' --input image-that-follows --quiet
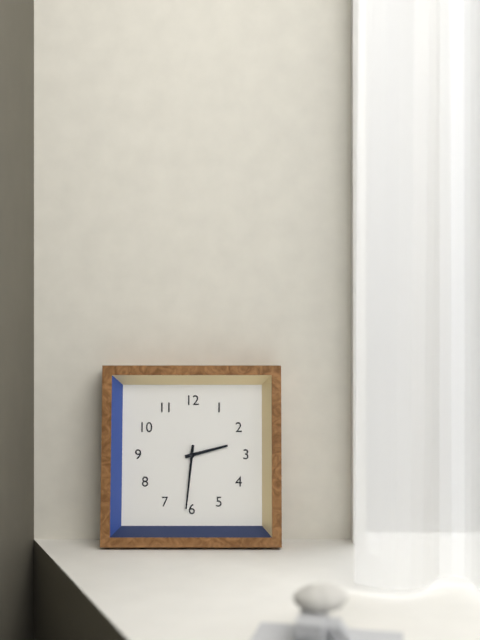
2,31
